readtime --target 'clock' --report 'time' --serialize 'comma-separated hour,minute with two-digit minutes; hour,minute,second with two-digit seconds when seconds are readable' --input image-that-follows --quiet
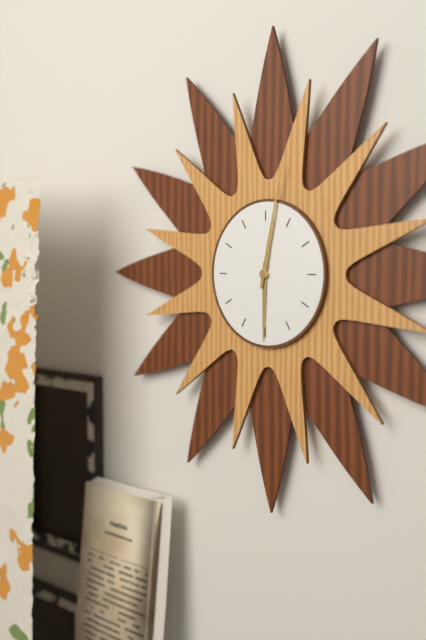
6,02
